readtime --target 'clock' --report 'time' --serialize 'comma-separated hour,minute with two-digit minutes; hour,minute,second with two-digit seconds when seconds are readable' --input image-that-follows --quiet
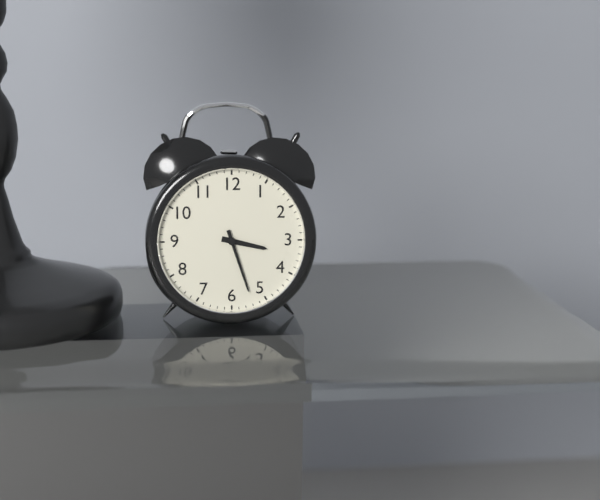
3,27
